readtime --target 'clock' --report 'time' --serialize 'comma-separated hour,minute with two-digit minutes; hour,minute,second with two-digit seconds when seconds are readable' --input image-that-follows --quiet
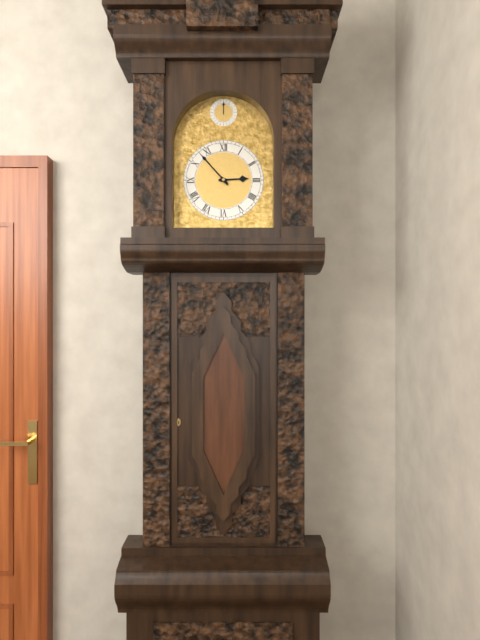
2,53
